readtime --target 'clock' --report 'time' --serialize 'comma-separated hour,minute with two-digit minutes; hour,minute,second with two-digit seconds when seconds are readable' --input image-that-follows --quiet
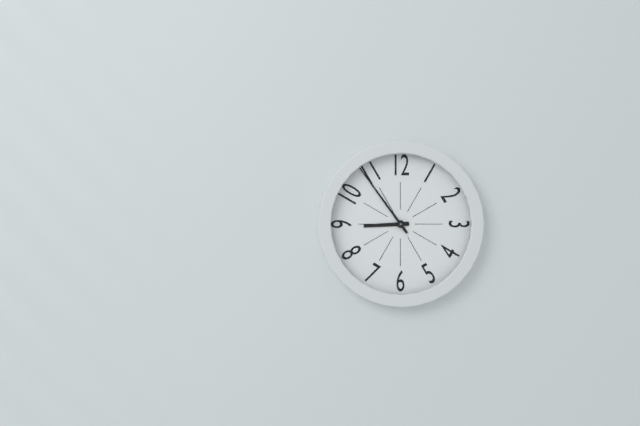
8,54
